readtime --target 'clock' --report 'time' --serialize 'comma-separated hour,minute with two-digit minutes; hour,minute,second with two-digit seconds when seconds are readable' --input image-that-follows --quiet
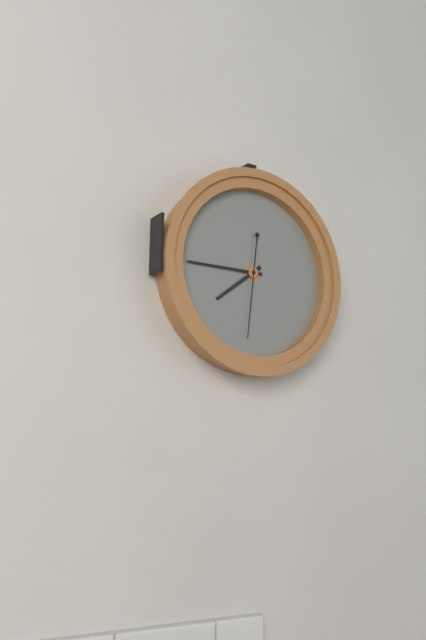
7,45,31
